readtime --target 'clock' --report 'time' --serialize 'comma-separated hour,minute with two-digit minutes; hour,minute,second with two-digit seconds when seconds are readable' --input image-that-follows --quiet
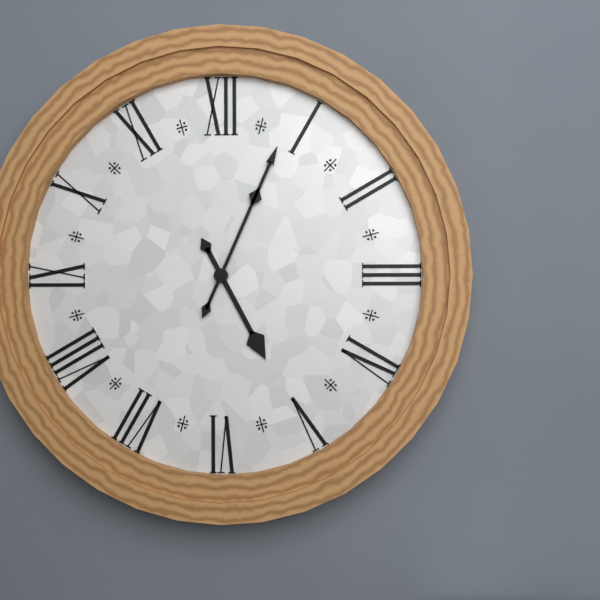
5,04
